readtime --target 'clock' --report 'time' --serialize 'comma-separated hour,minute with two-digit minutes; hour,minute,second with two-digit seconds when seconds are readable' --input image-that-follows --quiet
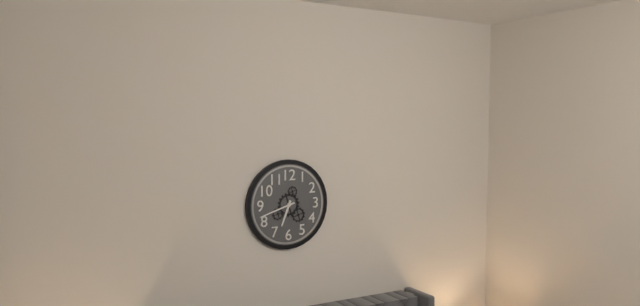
6,42
